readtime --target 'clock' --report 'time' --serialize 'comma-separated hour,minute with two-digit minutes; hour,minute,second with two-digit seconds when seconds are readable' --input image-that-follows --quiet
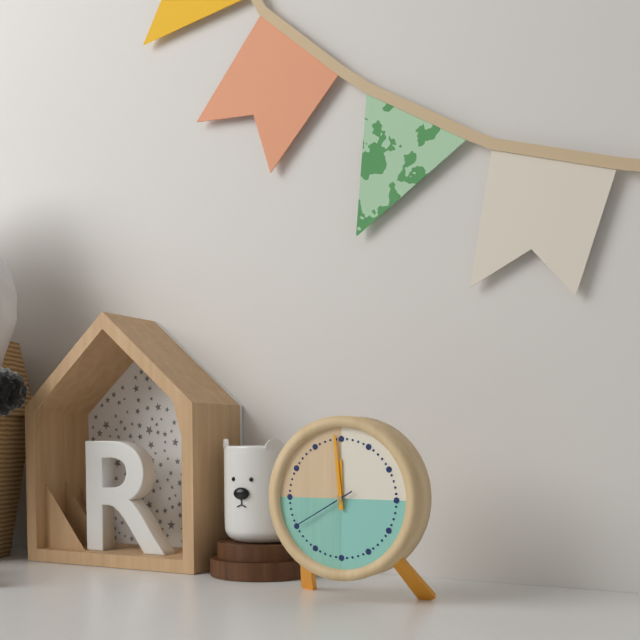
11,59,40
